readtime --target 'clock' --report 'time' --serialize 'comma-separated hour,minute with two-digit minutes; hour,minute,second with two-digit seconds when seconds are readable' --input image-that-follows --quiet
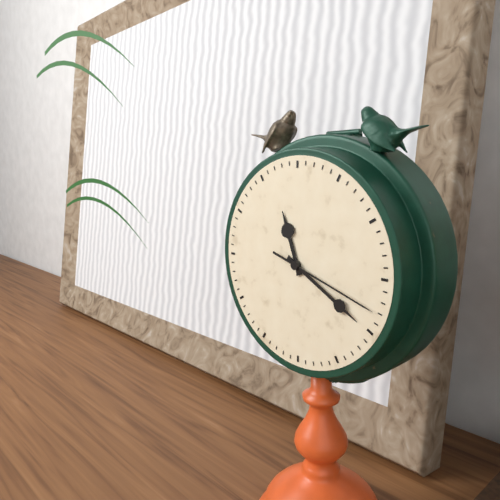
11,20,18
